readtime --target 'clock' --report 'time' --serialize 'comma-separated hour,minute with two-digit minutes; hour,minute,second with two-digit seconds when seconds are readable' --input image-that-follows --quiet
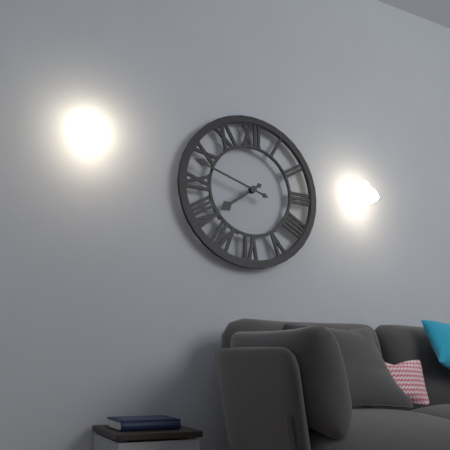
7,48
